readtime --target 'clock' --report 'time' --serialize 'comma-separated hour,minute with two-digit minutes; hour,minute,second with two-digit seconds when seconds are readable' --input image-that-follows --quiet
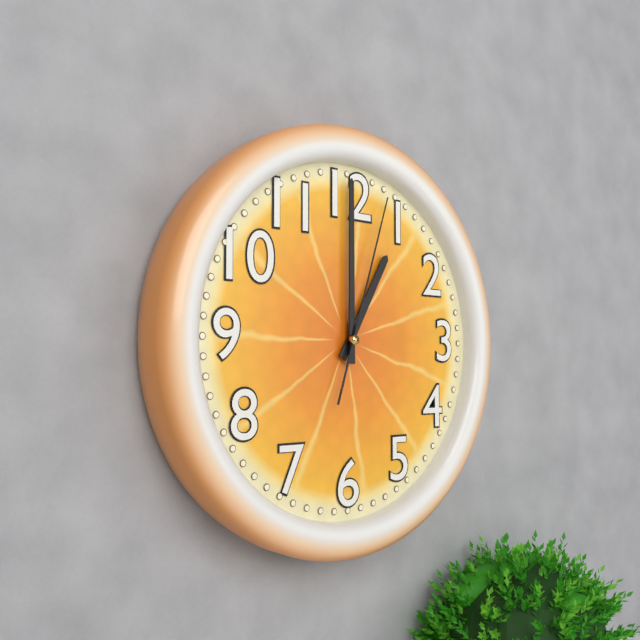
1,00,03
